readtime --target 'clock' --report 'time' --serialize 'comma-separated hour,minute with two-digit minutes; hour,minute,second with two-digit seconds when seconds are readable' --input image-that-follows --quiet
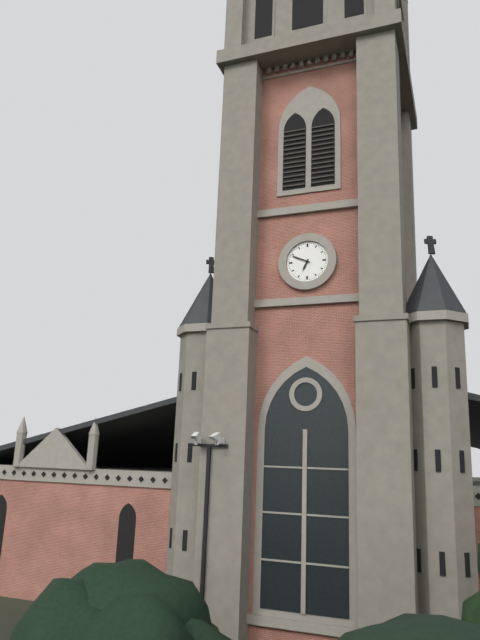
6,49
